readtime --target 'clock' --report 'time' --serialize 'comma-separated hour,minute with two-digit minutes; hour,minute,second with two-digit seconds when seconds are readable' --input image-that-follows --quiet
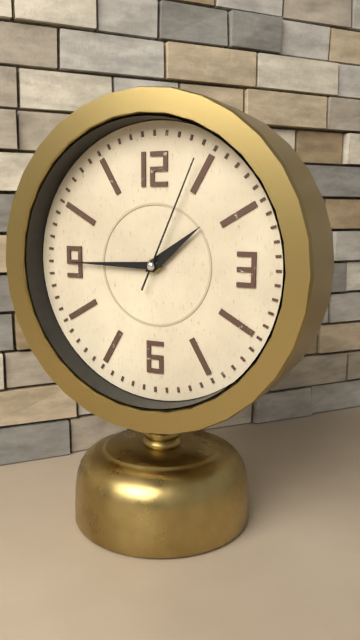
1,45,04
